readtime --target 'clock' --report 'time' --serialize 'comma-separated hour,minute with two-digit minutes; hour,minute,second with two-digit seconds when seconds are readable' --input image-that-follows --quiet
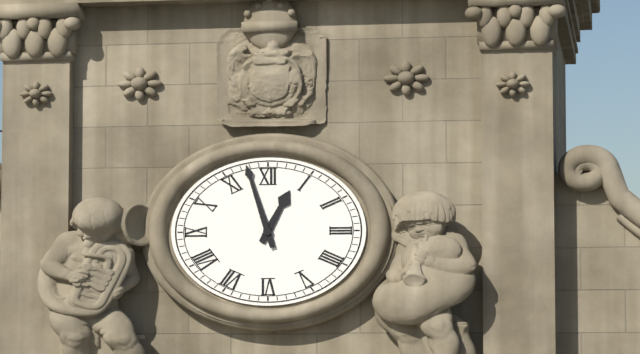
12,57
